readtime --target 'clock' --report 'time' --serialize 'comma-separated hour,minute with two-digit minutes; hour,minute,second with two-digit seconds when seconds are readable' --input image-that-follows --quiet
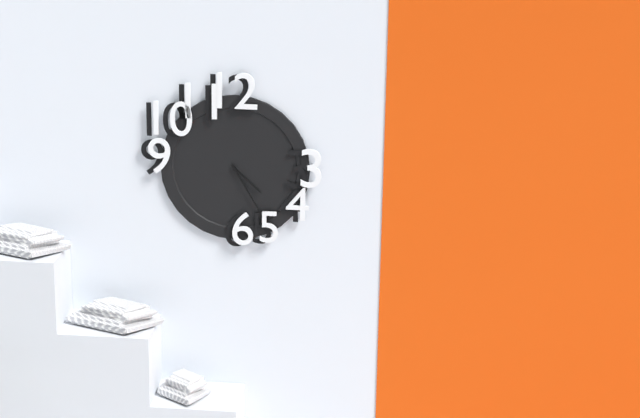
4,25
